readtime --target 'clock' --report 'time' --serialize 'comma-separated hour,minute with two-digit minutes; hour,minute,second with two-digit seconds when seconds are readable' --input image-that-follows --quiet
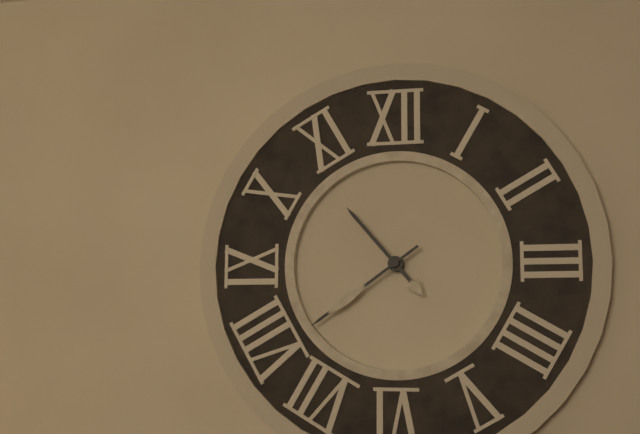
10,39
